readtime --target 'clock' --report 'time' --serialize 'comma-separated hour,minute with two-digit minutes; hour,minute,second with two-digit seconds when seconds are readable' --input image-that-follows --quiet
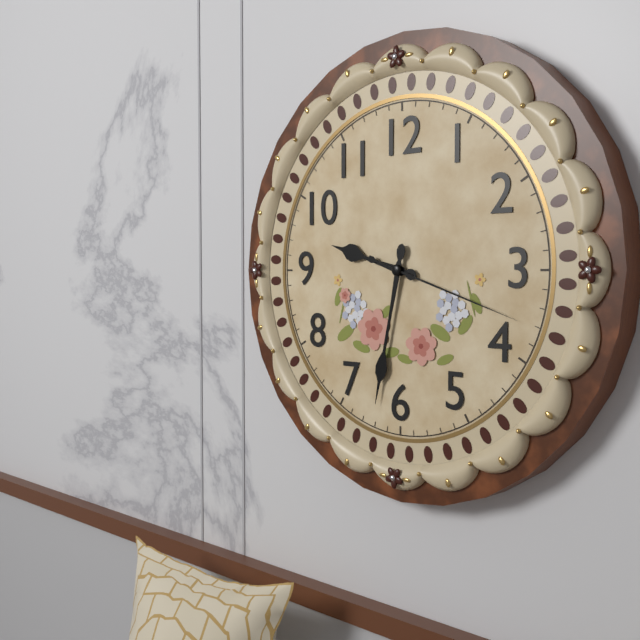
9,32,18
